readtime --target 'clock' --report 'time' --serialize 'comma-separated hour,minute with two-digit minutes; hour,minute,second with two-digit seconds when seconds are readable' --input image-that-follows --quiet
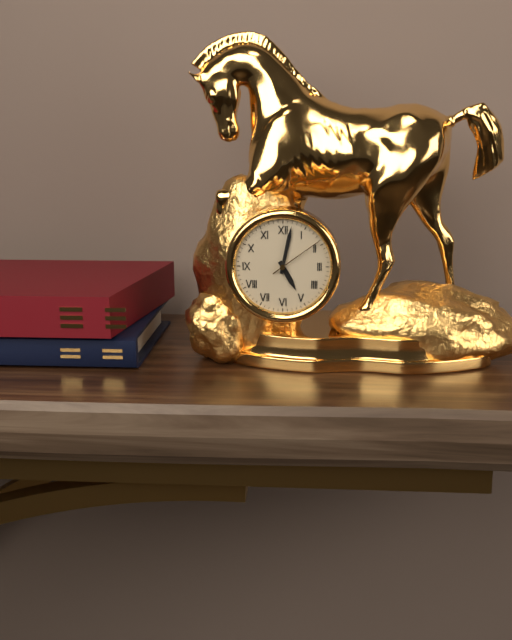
5,02,09
